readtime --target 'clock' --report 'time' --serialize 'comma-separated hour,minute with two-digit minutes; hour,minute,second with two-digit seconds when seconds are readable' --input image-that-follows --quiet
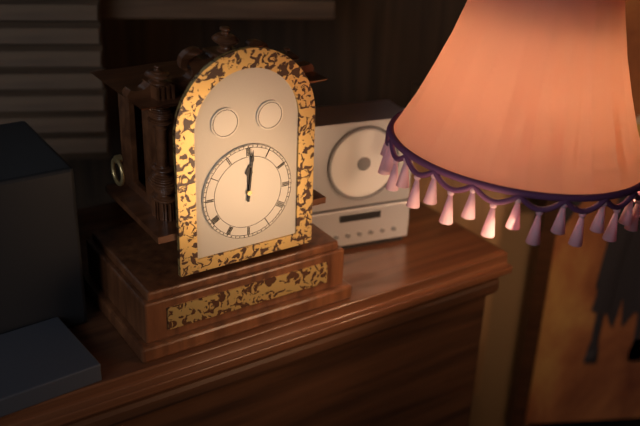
12,01
